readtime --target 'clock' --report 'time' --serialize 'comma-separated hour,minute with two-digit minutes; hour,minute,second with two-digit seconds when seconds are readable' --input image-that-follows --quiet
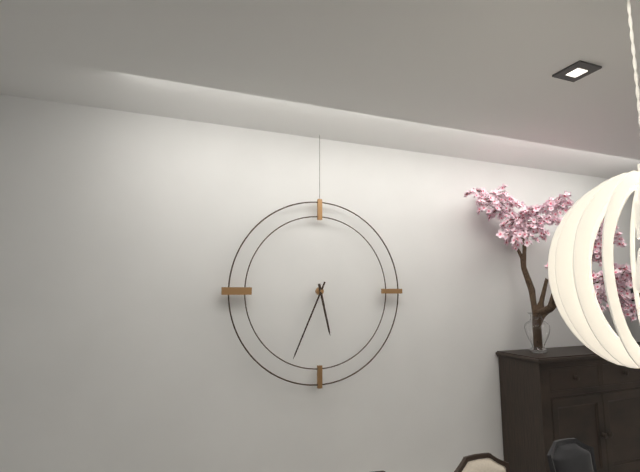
5,34
